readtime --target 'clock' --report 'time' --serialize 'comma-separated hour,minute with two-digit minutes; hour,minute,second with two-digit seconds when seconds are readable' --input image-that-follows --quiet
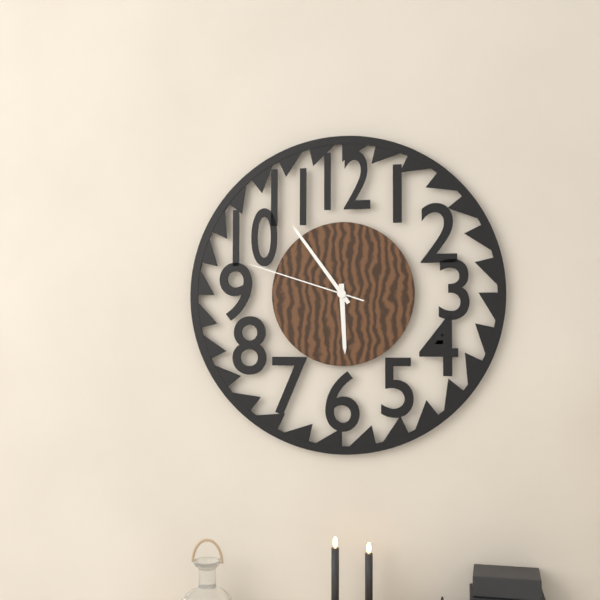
5,54,48
